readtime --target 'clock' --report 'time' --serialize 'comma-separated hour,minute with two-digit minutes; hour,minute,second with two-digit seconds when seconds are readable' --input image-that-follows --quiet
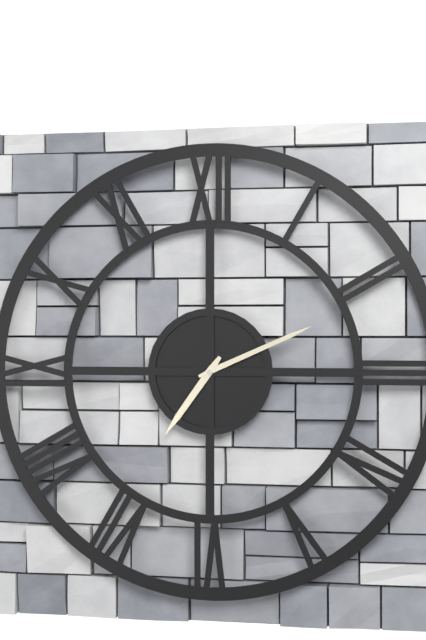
7,11
